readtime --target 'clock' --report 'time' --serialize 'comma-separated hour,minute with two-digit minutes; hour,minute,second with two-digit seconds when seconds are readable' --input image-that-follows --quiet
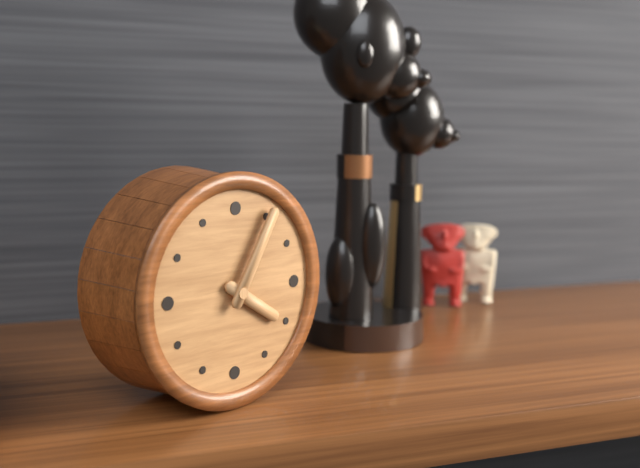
4,05
